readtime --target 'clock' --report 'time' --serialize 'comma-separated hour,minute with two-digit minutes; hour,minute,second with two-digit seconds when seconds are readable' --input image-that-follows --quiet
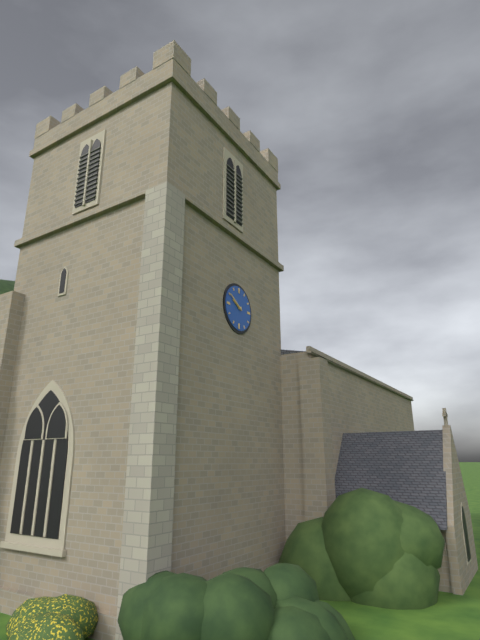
9,50
